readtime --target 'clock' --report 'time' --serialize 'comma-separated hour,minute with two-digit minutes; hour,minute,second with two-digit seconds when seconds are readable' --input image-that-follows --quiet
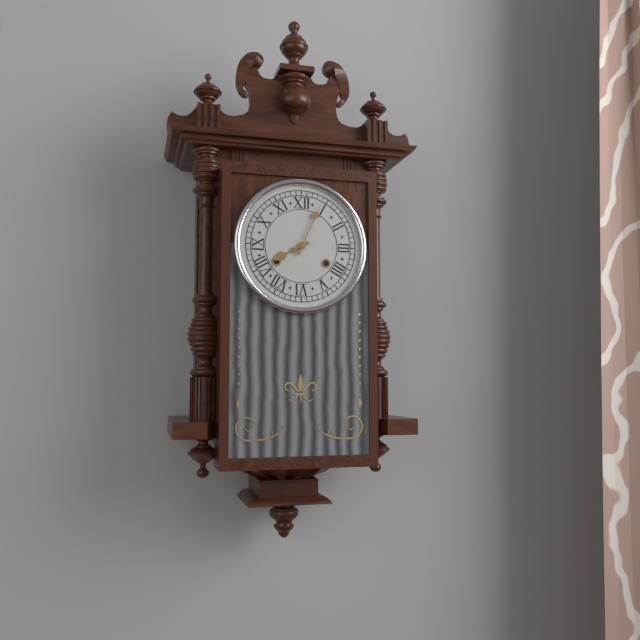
8,04
